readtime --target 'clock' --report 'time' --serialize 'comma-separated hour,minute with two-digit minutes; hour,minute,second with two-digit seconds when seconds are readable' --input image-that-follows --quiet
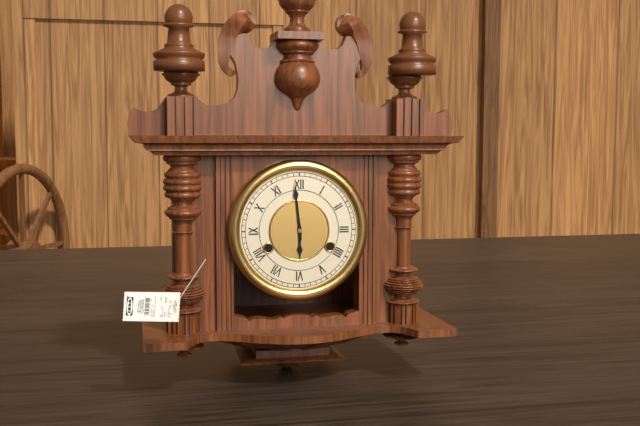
5,59
